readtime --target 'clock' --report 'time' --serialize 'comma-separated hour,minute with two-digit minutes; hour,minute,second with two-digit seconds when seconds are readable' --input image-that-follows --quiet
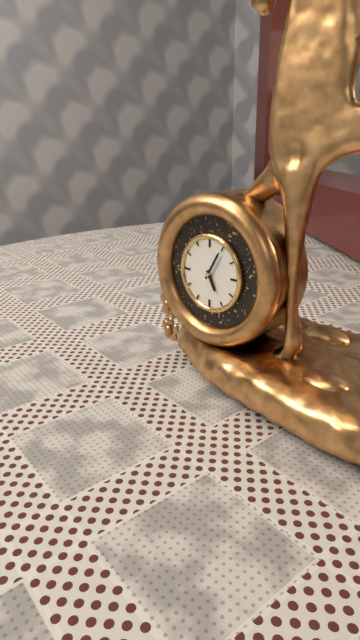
5,05
